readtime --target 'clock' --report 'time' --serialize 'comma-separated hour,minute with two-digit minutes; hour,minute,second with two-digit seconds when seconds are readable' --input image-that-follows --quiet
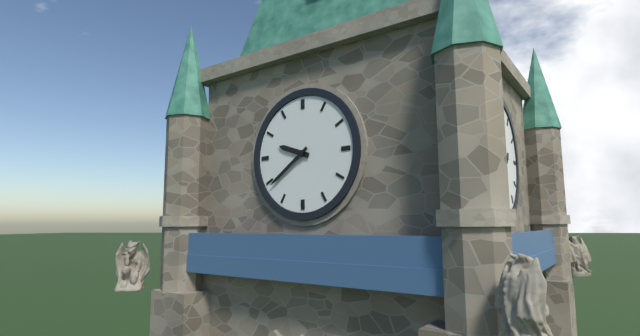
9,39
